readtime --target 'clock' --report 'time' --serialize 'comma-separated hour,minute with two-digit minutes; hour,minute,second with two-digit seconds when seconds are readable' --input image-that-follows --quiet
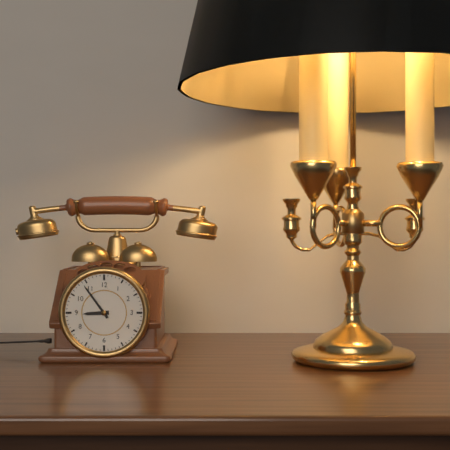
8,54
